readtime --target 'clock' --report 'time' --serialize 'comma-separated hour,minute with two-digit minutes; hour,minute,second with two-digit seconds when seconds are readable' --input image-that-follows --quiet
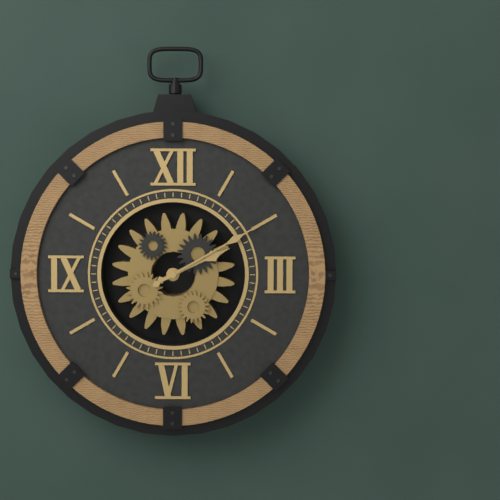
2,10
